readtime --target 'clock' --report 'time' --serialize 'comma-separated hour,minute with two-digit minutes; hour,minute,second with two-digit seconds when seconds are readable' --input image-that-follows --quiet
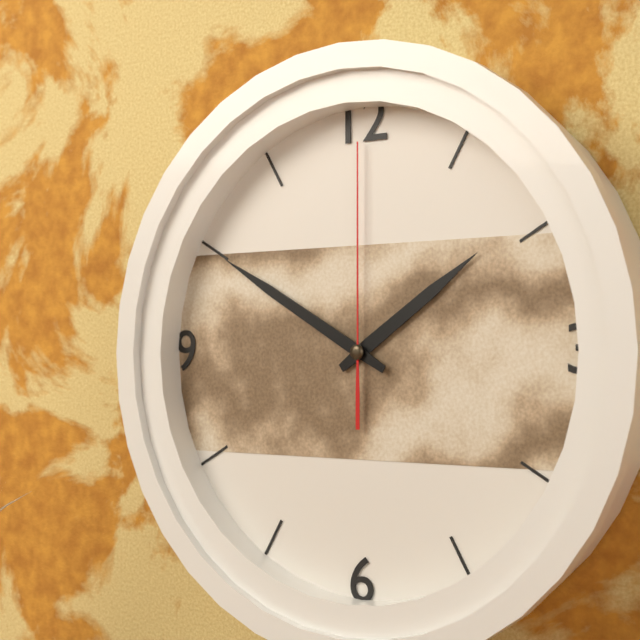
1,50,00
